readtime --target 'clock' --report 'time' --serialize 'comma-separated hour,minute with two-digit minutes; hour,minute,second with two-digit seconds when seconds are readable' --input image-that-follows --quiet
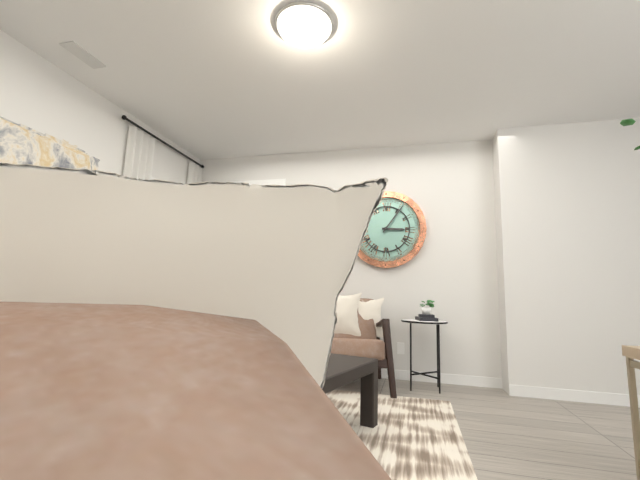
3,06
